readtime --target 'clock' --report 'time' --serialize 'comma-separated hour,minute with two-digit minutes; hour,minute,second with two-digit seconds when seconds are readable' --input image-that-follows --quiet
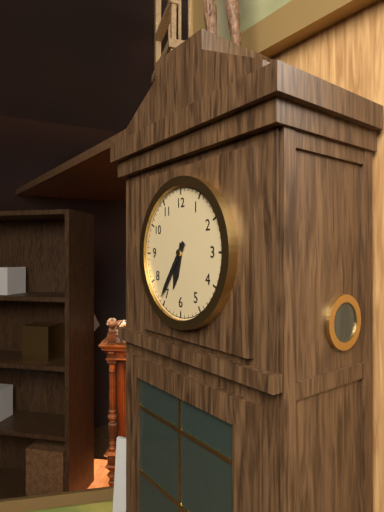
6,36
